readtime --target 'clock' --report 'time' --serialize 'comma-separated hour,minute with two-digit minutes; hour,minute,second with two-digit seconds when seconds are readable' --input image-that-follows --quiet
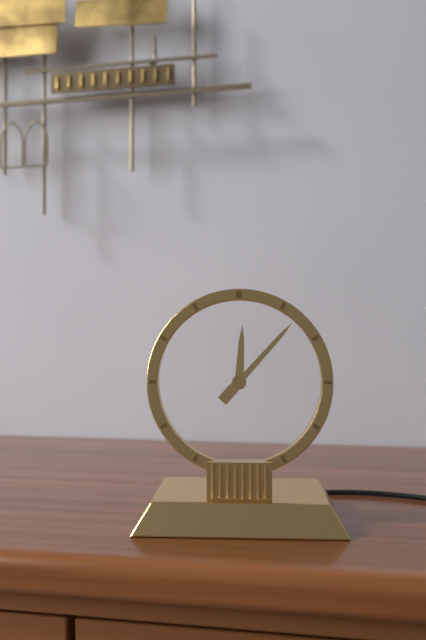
12,07
